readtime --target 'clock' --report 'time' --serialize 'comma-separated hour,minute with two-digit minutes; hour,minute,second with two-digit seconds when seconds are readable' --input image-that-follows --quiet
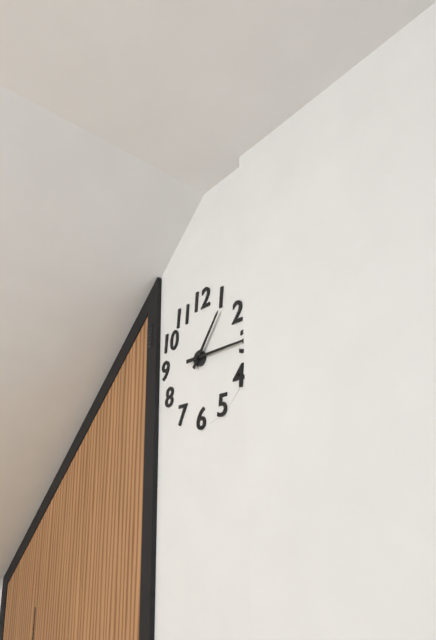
1,15
